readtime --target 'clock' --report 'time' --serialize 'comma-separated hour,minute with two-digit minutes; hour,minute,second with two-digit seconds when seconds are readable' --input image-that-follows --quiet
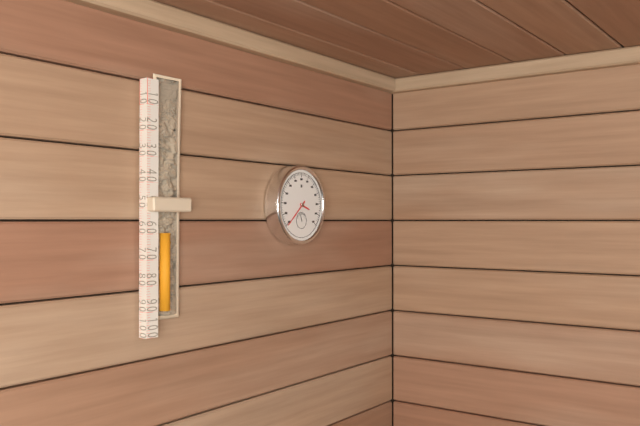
3,38
